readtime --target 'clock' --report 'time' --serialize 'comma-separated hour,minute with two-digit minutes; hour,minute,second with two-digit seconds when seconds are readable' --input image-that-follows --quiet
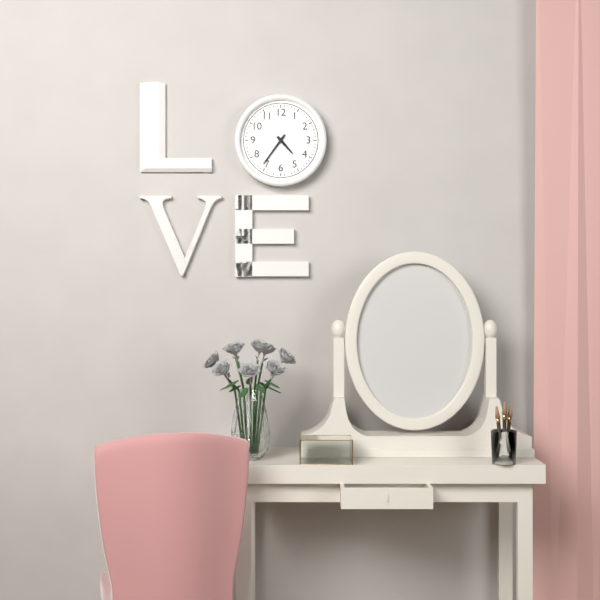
4,36
